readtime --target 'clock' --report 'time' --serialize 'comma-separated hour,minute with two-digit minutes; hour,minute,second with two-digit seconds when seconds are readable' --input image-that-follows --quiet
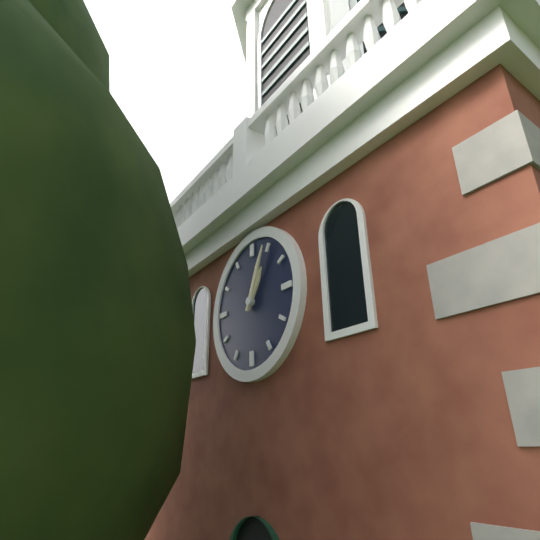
1,04
